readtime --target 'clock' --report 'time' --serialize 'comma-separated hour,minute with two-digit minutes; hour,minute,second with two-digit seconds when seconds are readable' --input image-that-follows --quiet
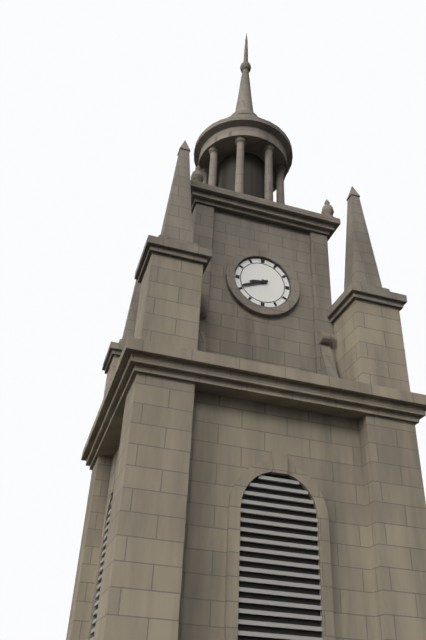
8,41
